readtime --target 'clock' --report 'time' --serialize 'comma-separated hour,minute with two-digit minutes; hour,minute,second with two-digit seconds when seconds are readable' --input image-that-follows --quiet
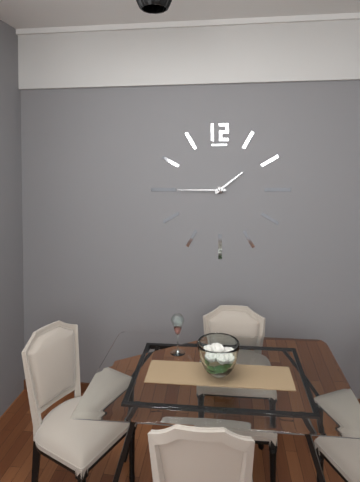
1,45
